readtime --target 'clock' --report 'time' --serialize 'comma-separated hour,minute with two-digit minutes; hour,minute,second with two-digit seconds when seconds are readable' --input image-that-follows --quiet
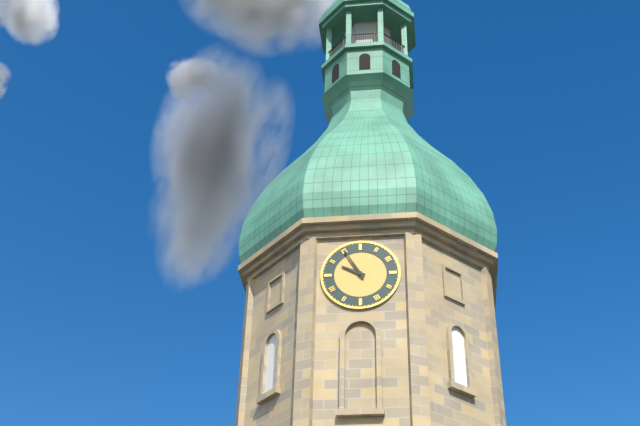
9,55
